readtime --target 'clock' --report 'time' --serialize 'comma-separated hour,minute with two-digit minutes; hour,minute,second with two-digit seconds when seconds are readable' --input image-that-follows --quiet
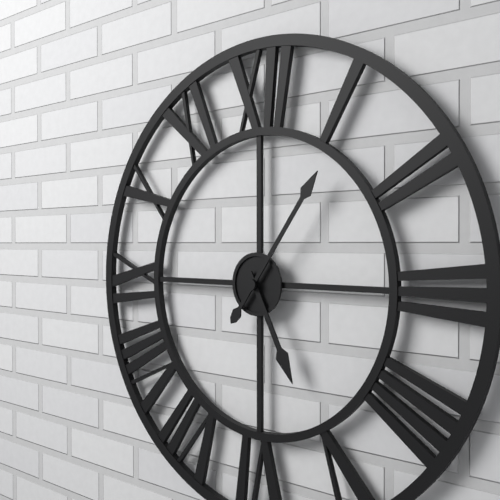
5,06
